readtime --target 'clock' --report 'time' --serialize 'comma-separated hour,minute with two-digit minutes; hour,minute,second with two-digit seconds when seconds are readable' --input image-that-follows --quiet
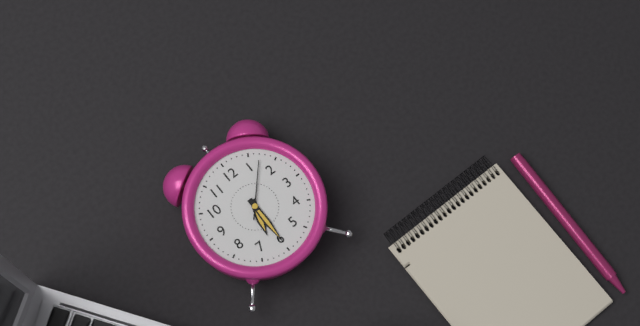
6,30,07
